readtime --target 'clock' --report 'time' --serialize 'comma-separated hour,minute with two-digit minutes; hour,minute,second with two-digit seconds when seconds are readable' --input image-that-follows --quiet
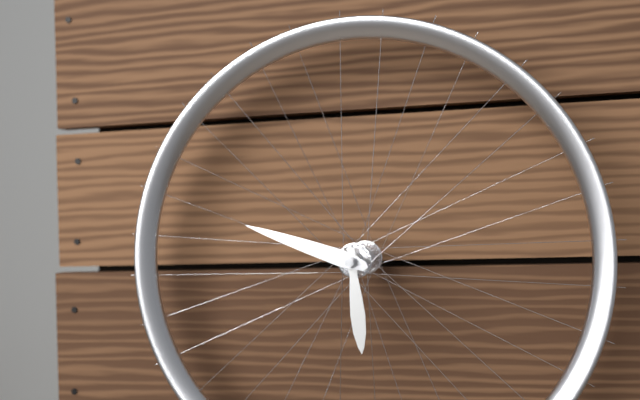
5,48
